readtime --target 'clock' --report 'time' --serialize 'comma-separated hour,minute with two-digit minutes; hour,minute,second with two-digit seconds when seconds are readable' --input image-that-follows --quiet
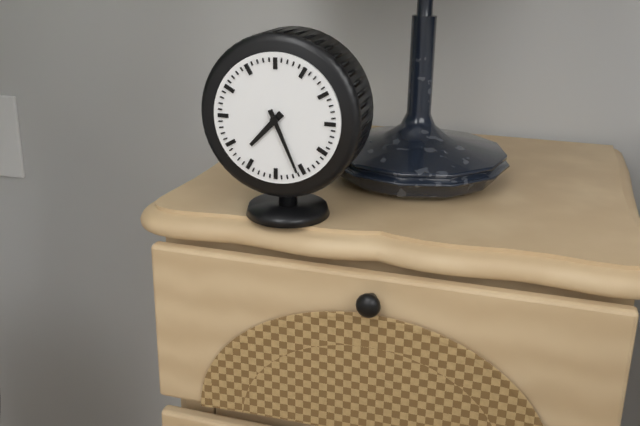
7,26
